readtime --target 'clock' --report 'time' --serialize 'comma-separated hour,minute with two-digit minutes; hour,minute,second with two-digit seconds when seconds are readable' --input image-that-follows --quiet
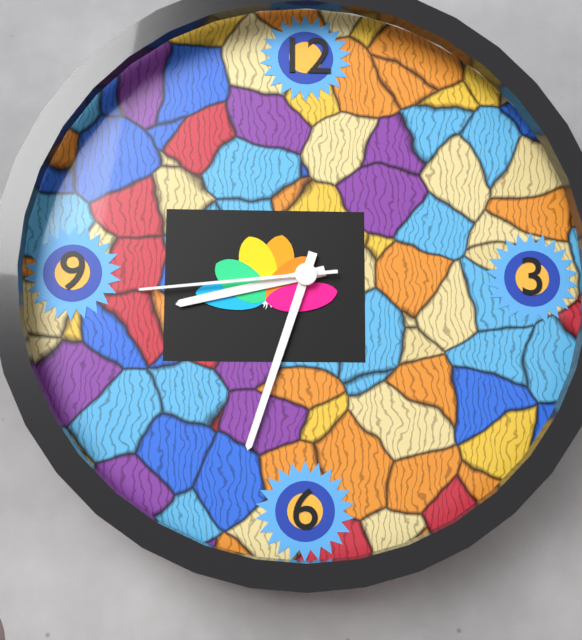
8,33,44
